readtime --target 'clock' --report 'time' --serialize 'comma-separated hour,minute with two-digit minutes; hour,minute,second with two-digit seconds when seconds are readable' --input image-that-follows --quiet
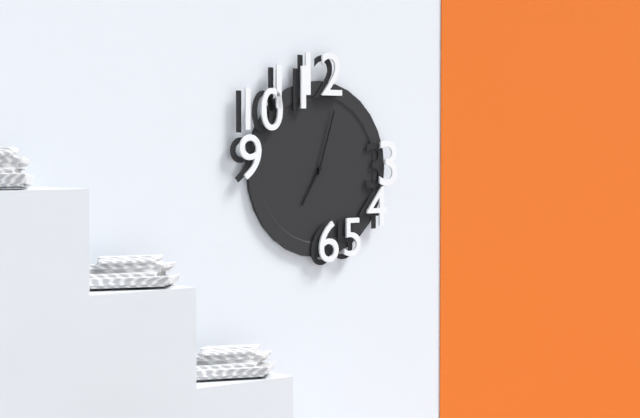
7,03
